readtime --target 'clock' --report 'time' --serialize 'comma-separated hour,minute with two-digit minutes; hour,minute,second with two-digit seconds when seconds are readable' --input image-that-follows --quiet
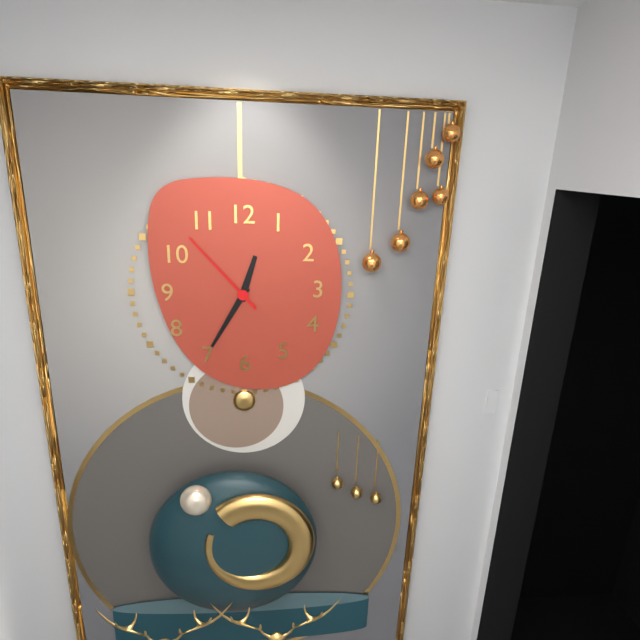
12,35,53
